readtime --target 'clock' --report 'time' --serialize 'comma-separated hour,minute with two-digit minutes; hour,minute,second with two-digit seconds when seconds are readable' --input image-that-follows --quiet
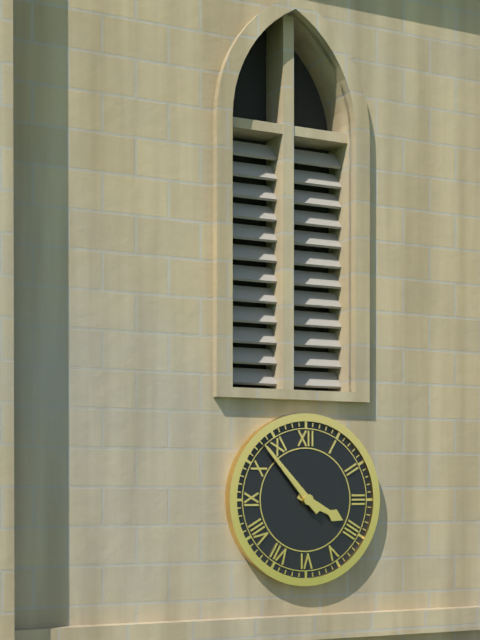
3,53
